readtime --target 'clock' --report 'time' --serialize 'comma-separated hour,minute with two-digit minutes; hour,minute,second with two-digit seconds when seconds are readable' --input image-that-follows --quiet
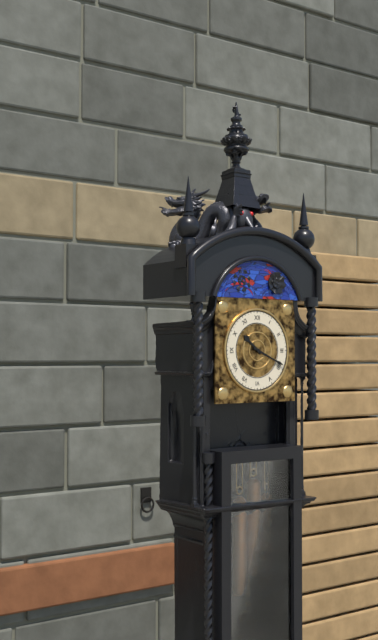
10,19
